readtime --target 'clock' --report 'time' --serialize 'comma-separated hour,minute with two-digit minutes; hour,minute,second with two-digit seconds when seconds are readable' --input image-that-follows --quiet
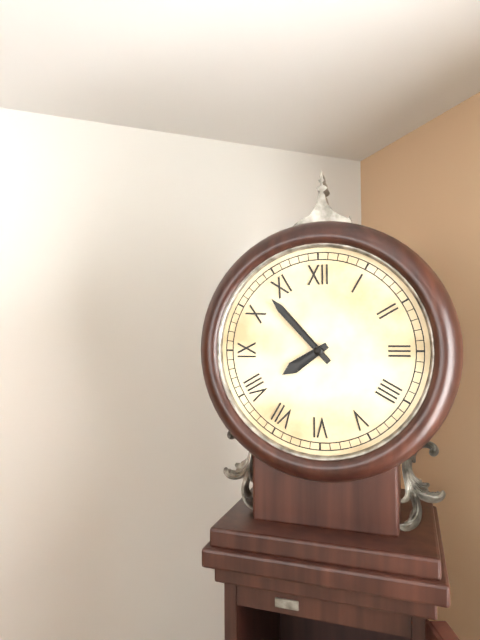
7,53
